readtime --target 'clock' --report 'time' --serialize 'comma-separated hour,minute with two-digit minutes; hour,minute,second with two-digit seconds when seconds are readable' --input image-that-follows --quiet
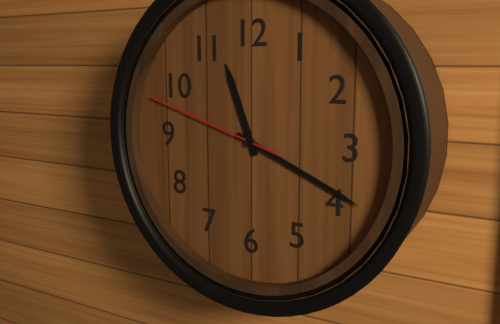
11,19,48
